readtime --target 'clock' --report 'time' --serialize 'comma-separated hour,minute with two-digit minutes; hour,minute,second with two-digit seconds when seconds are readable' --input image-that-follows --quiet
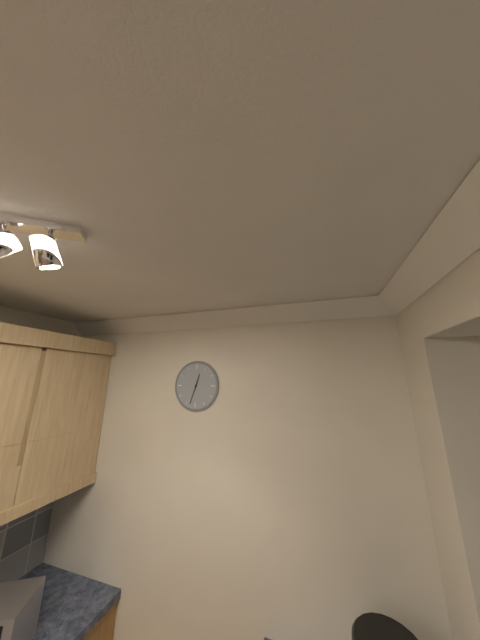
12,33
